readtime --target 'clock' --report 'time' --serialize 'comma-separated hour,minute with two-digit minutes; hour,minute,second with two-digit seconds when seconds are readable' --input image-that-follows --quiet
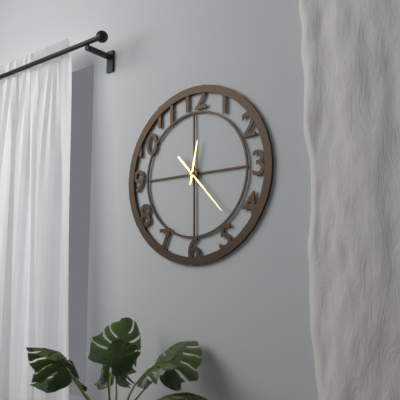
12,23
